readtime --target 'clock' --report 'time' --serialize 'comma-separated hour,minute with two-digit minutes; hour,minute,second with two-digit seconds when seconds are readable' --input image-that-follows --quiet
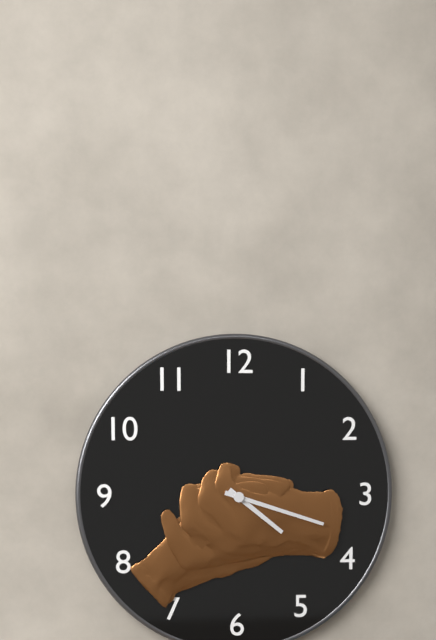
4,18
